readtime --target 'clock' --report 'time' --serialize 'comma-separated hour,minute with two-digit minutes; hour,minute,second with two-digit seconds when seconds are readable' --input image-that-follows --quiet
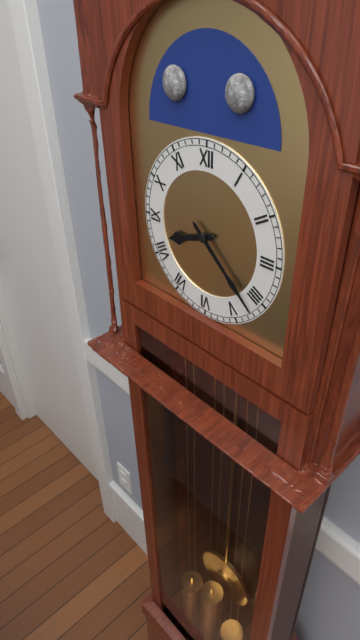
8,22
